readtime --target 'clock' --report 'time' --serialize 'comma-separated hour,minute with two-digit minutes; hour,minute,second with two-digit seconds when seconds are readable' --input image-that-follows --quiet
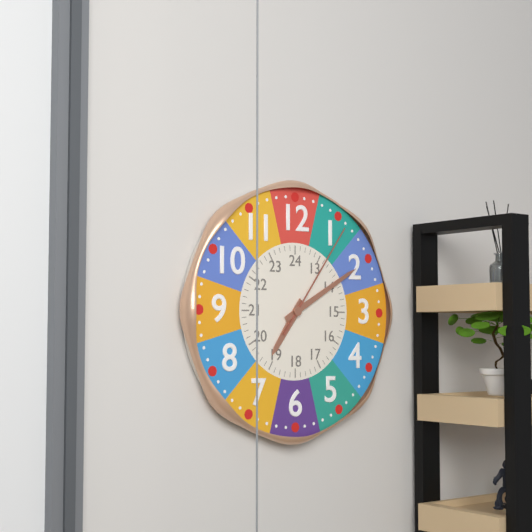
7,10,06
